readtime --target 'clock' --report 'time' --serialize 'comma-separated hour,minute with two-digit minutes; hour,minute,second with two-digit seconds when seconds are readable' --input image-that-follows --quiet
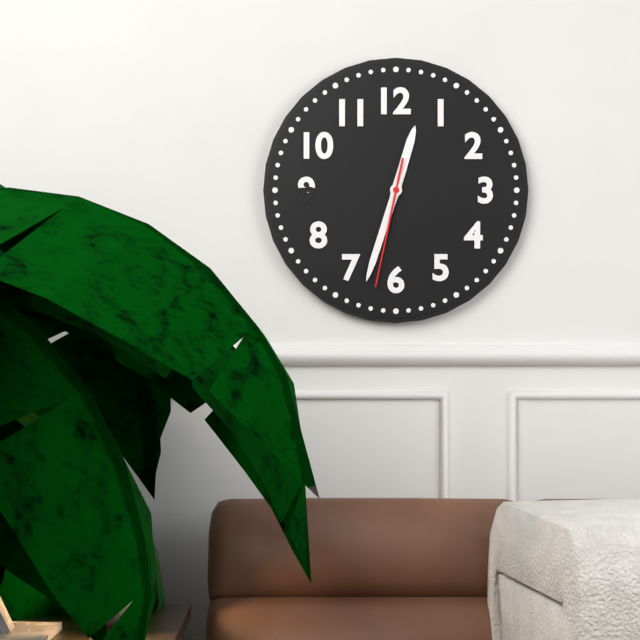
12,33,32
